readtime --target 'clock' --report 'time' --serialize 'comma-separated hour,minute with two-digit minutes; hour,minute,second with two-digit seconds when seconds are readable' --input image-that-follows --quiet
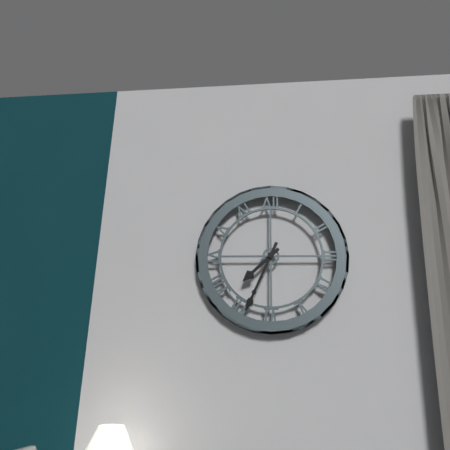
7,34
